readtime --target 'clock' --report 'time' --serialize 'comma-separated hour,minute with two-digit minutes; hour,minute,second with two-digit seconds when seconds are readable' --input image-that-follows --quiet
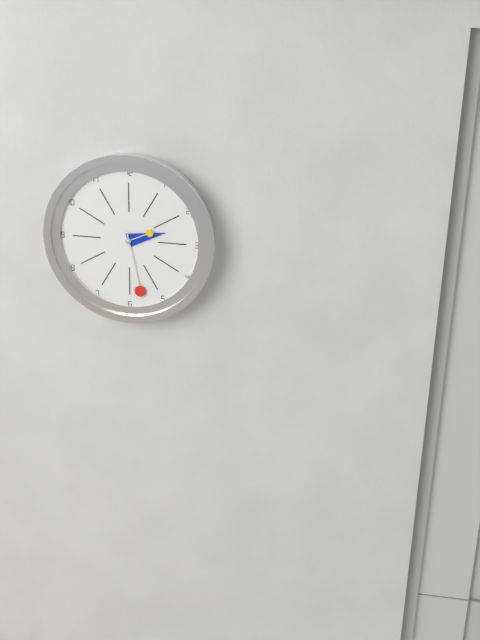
2,28
